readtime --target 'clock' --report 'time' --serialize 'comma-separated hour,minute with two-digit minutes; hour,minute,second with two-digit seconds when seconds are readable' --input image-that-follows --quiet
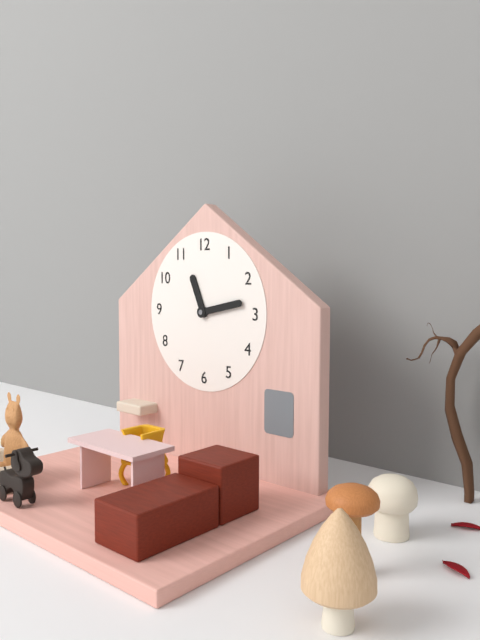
11,13
